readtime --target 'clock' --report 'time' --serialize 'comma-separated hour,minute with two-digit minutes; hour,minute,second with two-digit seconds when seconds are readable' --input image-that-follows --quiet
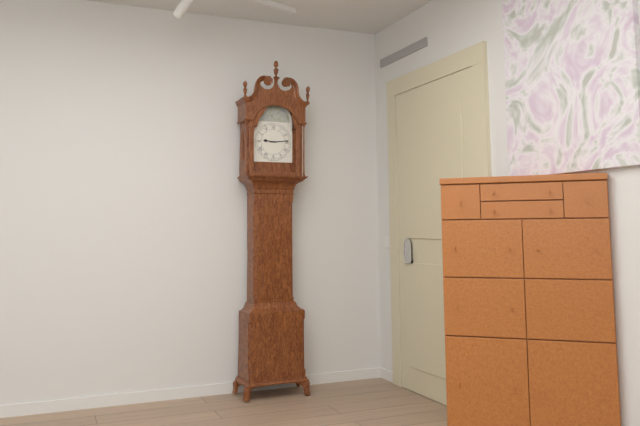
9,14
